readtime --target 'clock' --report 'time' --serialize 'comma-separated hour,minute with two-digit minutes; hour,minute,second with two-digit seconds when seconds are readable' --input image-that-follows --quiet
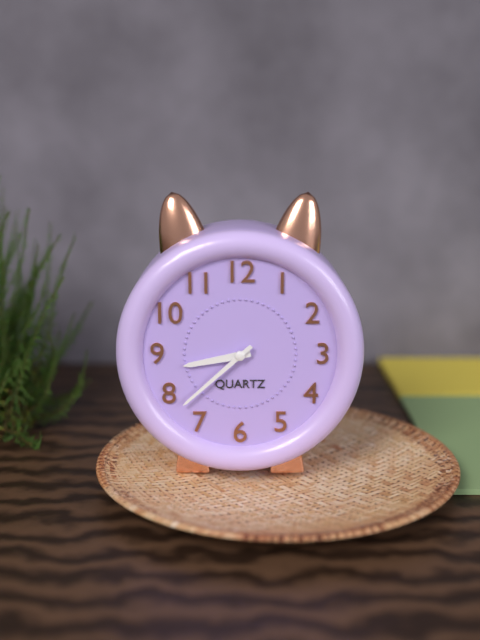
8,38
